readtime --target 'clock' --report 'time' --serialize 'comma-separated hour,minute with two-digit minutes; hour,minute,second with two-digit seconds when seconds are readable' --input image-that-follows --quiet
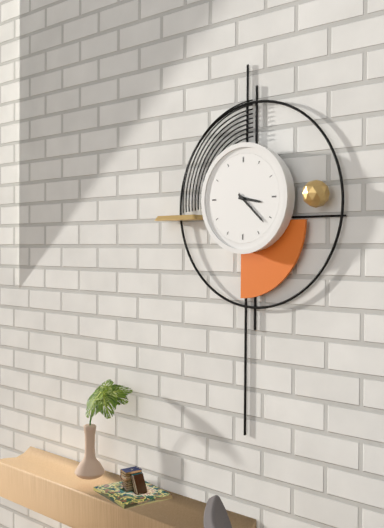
3,22
